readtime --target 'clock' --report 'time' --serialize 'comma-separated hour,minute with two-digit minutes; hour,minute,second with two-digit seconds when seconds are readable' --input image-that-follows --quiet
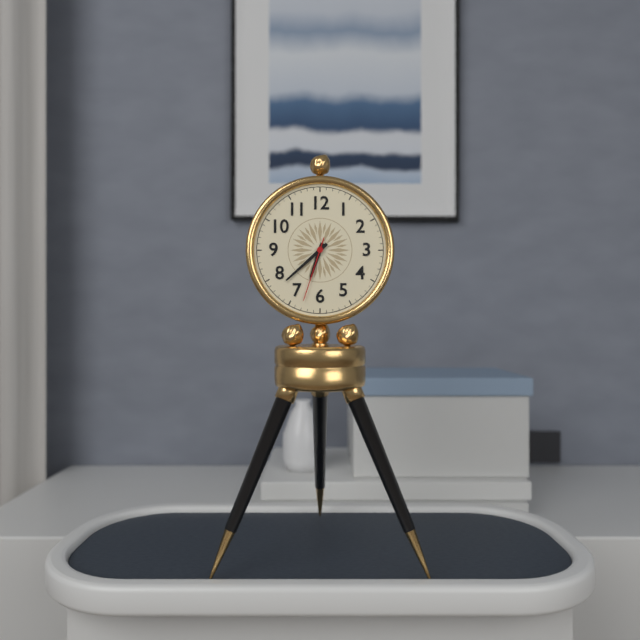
6,38,33
